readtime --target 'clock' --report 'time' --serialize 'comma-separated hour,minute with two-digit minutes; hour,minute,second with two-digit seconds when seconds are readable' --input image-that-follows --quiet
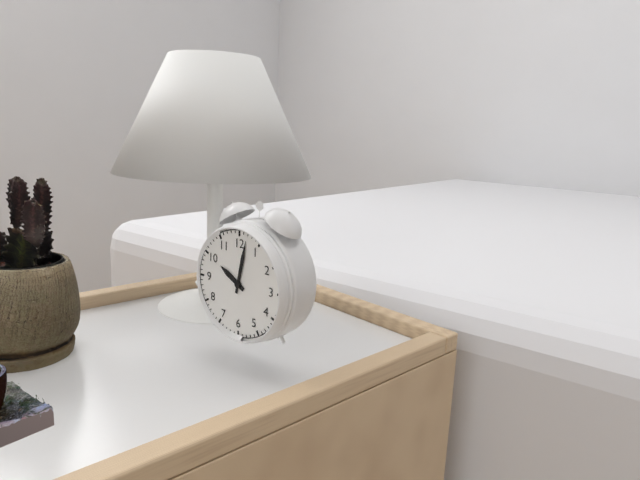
10,02
